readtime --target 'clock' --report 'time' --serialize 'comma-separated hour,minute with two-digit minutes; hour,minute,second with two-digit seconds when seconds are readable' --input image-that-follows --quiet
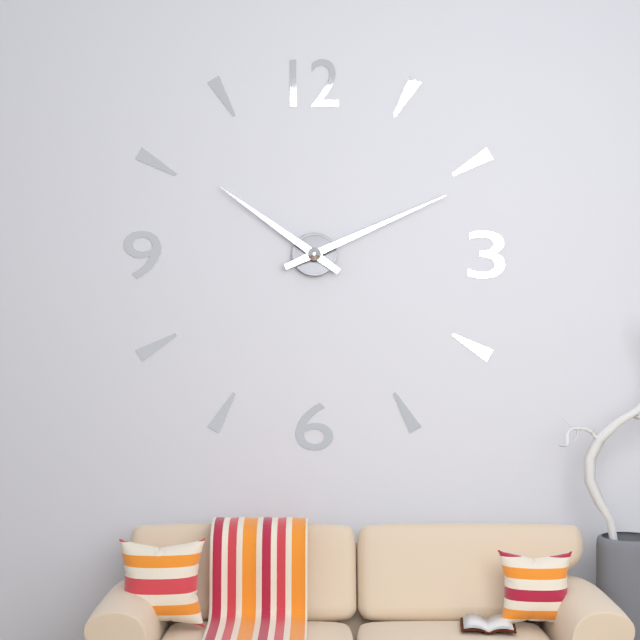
10,11
